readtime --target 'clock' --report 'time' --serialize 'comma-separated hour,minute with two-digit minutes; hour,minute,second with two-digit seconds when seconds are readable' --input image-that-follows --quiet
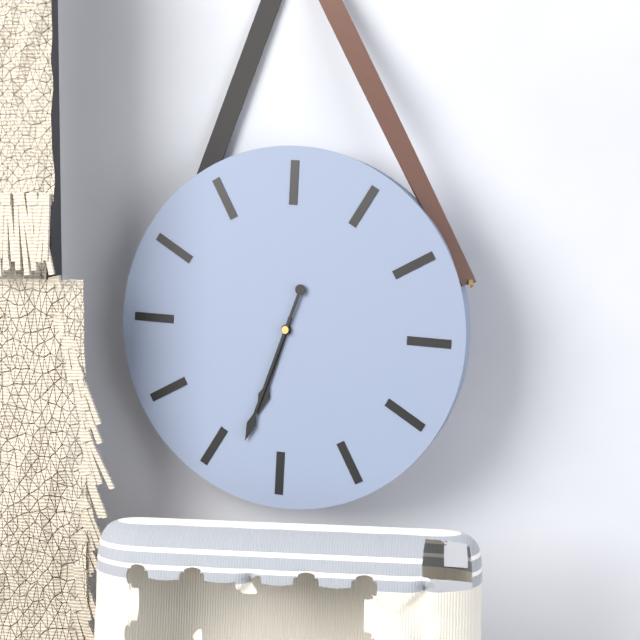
6,33
